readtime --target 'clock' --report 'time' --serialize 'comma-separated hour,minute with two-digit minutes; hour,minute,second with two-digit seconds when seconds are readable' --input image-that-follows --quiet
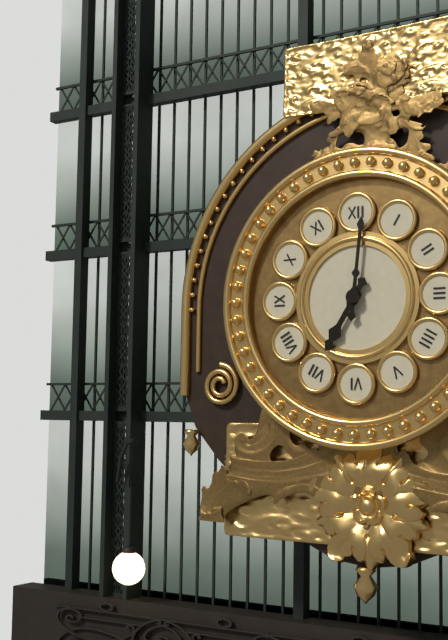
7,01
